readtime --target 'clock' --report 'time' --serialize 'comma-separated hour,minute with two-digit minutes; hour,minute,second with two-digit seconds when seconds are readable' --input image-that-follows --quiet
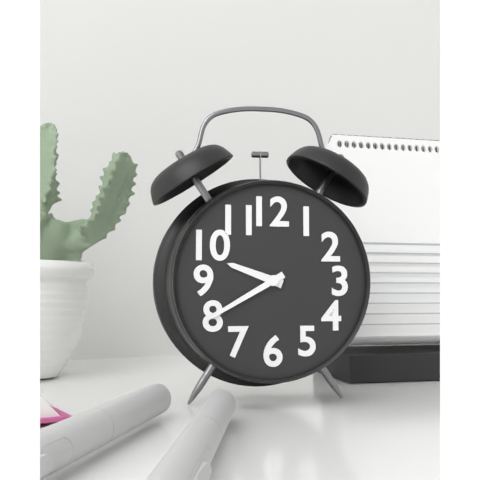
9,40
